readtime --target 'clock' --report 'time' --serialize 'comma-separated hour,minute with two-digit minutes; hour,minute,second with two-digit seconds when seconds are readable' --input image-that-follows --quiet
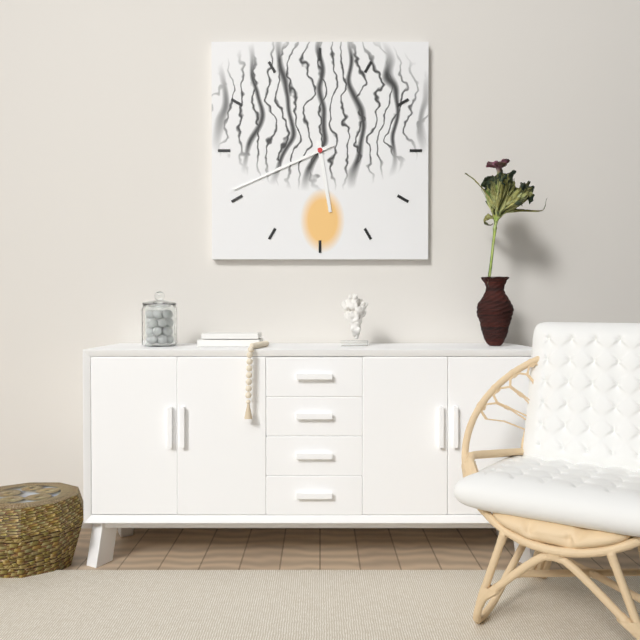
5,41
